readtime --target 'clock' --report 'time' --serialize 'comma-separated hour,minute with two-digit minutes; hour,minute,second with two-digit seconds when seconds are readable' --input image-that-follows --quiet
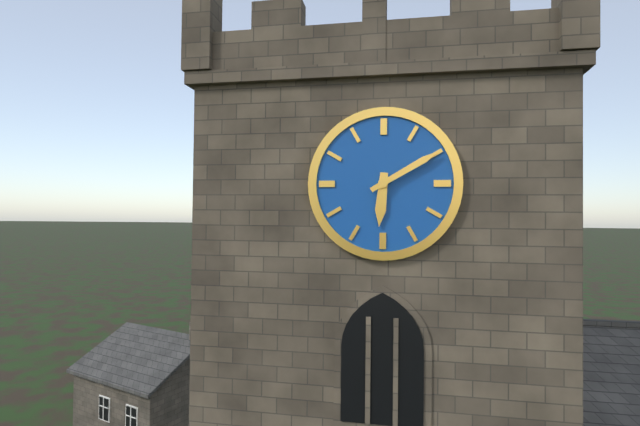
6,10
